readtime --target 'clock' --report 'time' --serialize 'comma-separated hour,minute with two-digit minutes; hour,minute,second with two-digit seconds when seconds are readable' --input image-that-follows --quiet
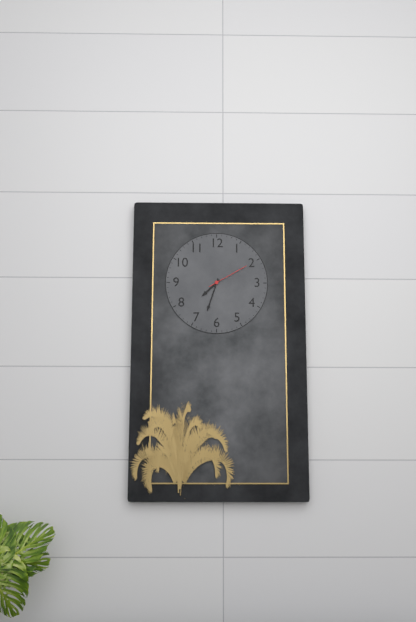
7,33
